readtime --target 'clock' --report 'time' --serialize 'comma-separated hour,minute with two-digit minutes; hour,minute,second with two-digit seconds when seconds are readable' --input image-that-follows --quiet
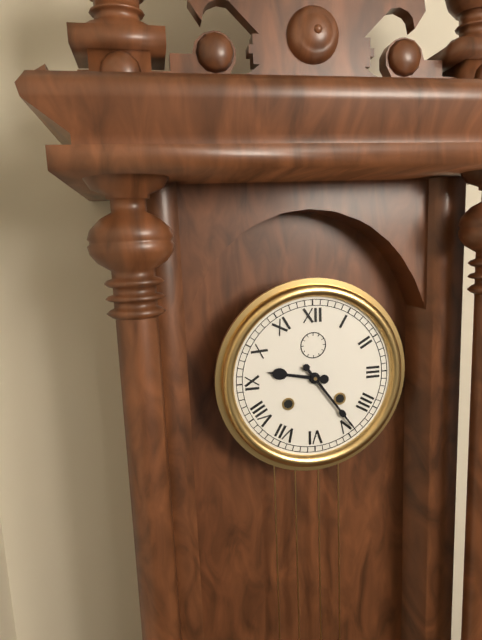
9,24
